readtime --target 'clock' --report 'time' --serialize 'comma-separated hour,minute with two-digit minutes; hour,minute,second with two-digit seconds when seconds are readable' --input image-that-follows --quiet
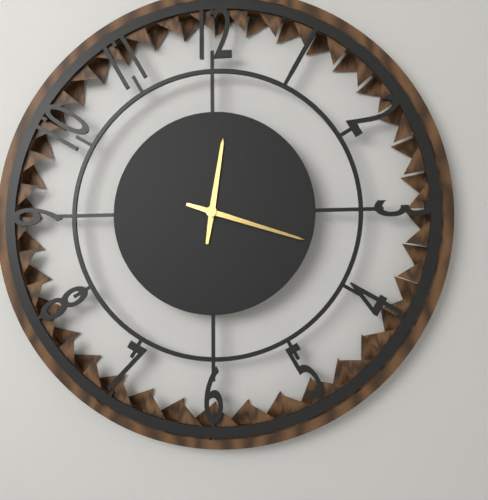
12,18
